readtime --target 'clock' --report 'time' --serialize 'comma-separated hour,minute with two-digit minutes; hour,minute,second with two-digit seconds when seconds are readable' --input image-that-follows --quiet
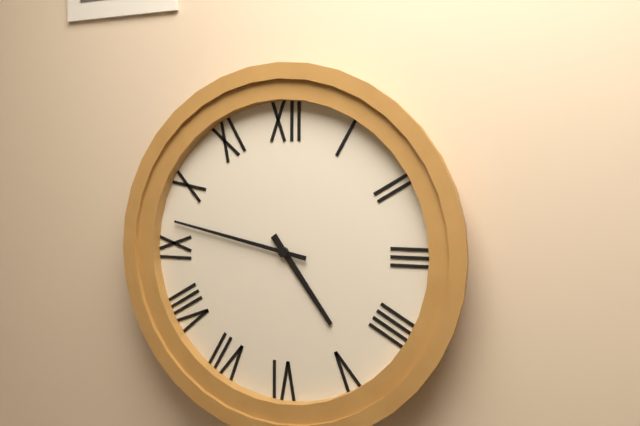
4,47
